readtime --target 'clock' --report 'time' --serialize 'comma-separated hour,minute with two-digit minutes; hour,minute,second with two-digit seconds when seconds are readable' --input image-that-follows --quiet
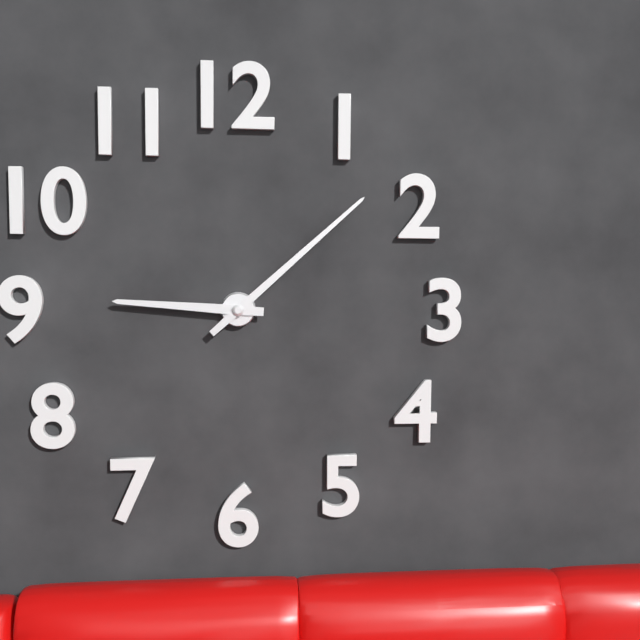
9,08
